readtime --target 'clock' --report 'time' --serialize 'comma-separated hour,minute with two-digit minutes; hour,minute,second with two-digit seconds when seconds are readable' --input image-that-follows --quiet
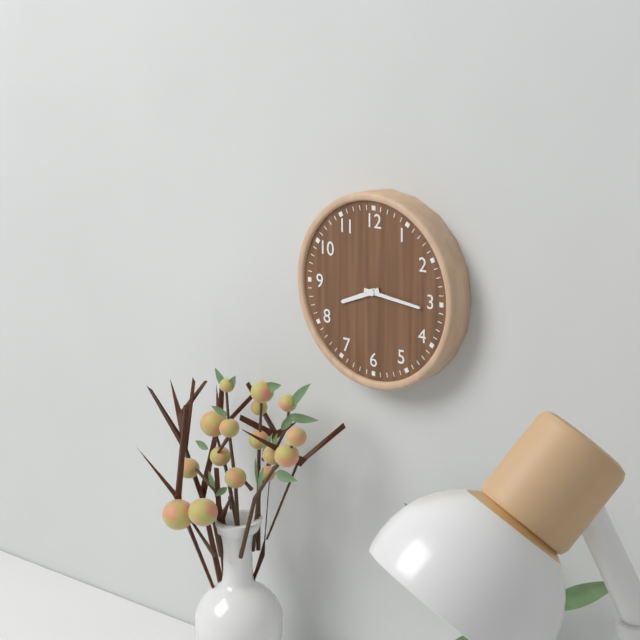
8,16
